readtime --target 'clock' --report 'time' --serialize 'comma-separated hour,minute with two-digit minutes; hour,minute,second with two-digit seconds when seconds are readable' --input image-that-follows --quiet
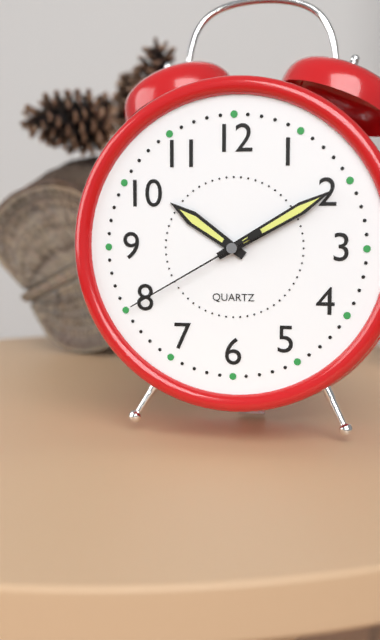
10,10,40
